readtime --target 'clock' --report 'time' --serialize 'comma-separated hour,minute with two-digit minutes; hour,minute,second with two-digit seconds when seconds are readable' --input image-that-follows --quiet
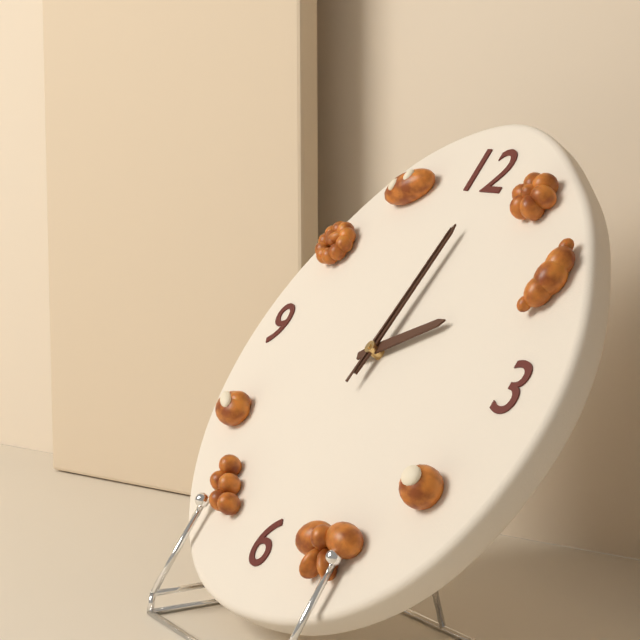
2,01,01
